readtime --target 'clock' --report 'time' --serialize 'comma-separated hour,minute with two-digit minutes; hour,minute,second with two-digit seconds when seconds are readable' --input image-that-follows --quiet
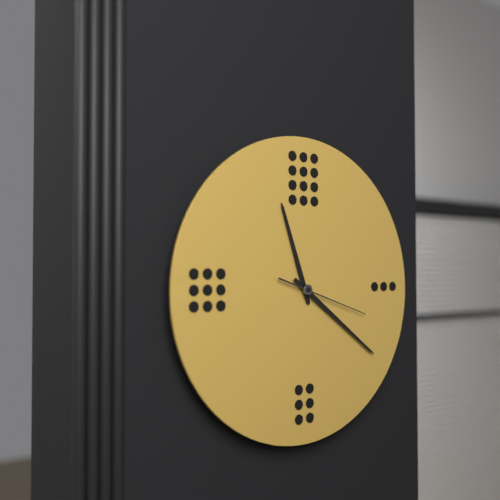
11,21,18
